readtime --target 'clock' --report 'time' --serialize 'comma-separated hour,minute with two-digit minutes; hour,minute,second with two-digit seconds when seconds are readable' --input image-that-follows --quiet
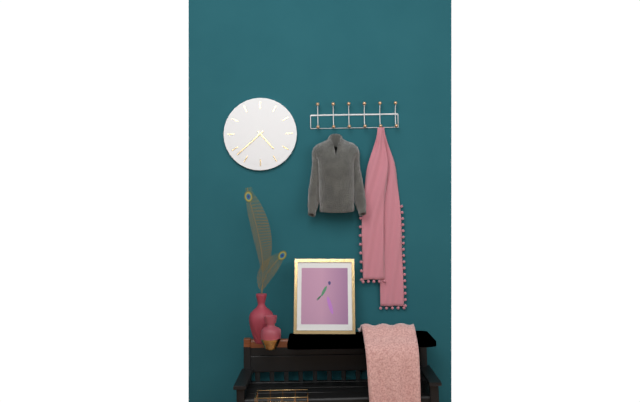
4,38
